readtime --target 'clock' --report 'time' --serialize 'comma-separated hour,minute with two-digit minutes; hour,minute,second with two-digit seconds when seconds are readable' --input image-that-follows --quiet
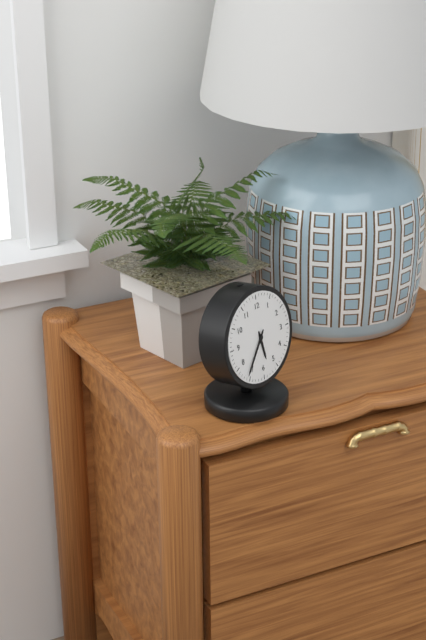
5,36
